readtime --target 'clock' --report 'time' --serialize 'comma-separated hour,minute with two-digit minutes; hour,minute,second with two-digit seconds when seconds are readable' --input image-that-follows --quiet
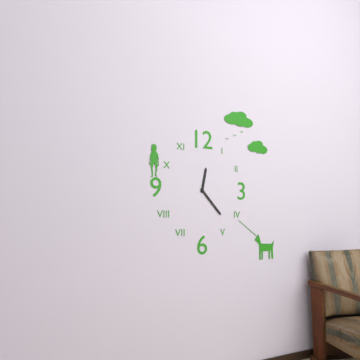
12,23
